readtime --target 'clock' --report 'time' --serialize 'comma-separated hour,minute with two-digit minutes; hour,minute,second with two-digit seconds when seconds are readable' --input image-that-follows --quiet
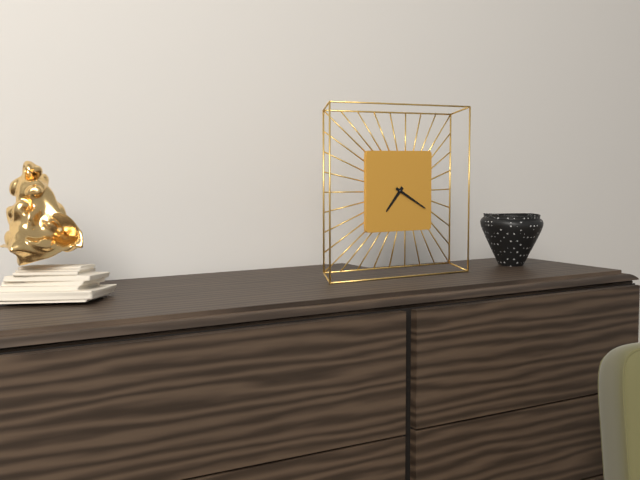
7,20
